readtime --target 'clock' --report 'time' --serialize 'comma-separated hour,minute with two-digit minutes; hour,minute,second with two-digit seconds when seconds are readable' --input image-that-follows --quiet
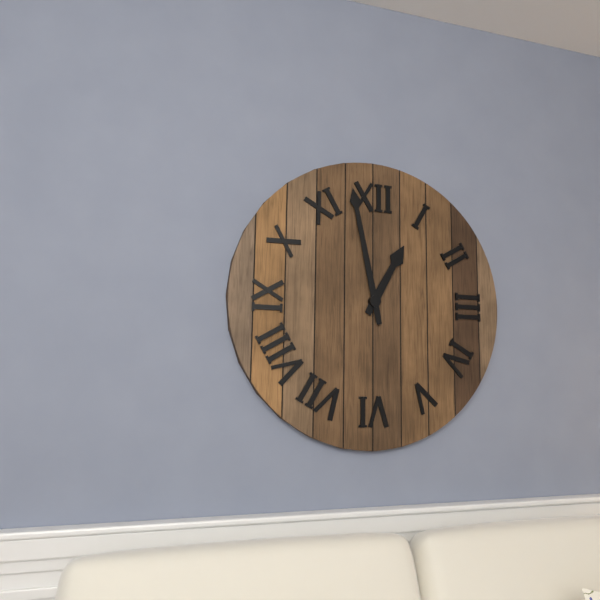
12,58
